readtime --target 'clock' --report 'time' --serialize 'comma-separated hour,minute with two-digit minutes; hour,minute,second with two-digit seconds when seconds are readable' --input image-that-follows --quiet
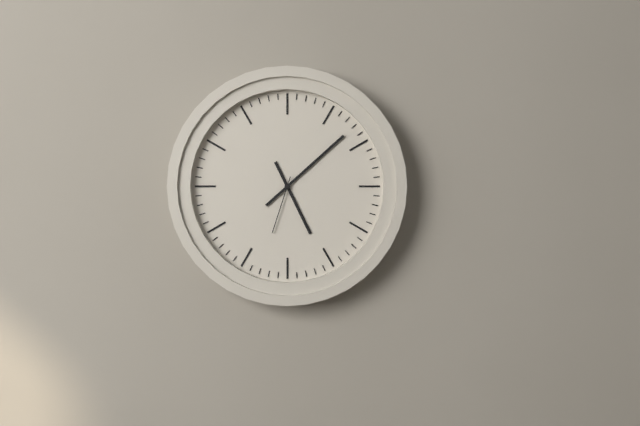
5,08,33
